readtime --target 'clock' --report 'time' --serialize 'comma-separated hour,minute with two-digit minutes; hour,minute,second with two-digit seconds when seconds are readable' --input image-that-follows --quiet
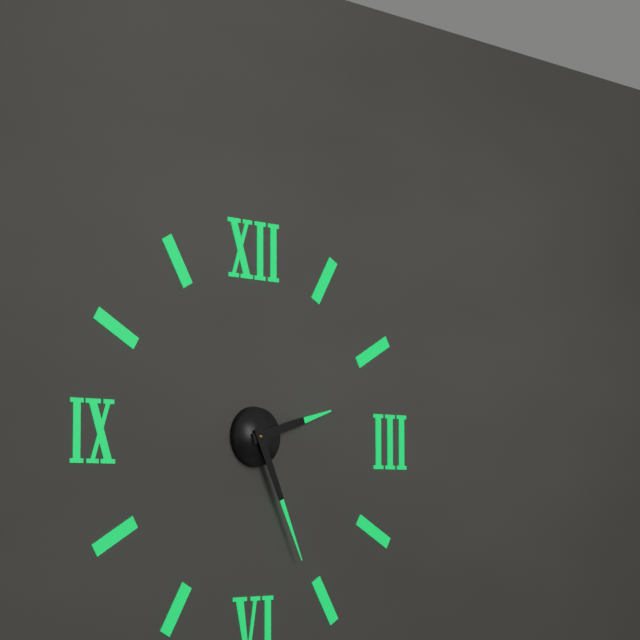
2,26
